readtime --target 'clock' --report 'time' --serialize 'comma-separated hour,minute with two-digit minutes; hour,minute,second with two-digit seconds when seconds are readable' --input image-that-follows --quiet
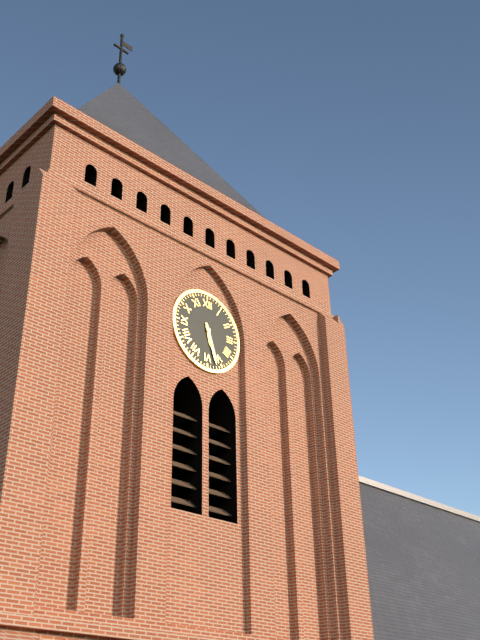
5,27
